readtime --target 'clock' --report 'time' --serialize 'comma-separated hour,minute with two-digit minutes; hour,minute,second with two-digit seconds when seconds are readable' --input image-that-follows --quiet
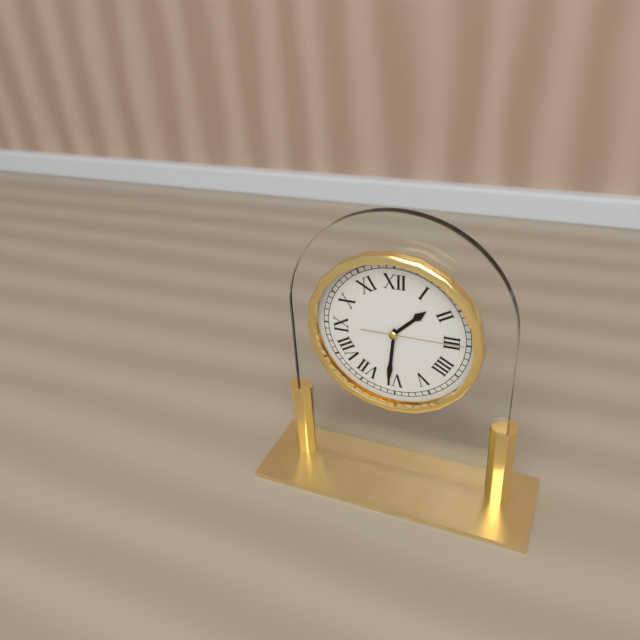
1,31,15
